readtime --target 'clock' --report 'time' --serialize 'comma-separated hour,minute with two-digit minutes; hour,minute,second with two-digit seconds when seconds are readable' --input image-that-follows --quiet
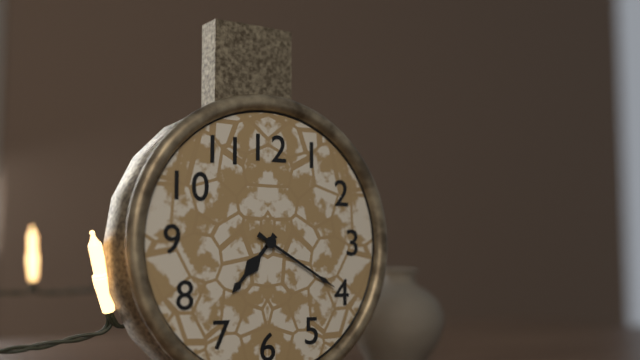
7,20
